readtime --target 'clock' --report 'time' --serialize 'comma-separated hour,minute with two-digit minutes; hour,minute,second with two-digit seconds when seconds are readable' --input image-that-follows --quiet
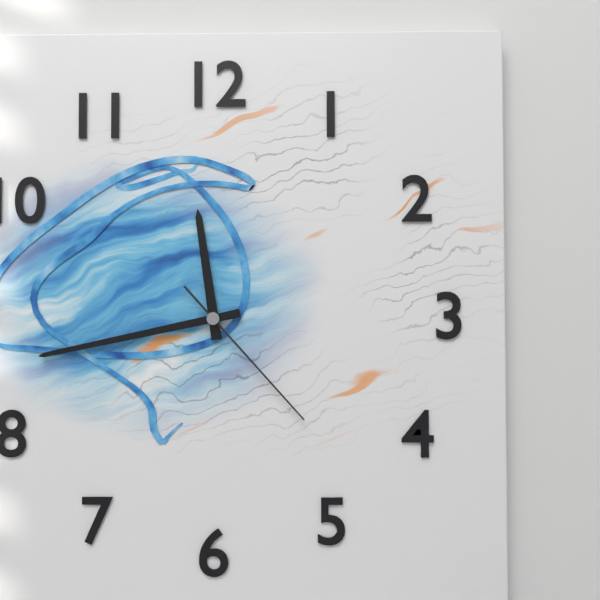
11,43,23
